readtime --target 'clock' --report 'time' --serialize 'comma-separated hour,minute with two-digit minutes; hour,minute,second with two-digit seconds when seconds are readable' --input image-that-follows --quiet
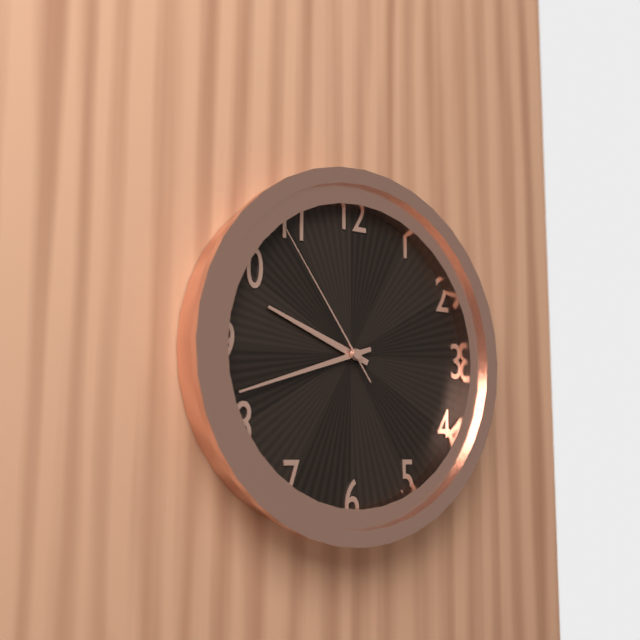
9,42,54
